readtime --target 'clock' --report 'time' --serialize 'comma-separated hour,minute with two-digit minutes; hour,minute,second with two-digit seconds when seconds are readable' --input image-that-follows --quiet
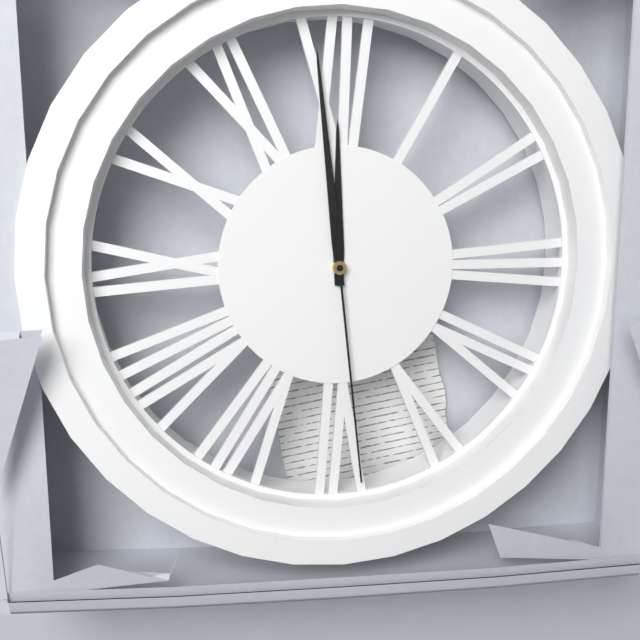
11,59,29
